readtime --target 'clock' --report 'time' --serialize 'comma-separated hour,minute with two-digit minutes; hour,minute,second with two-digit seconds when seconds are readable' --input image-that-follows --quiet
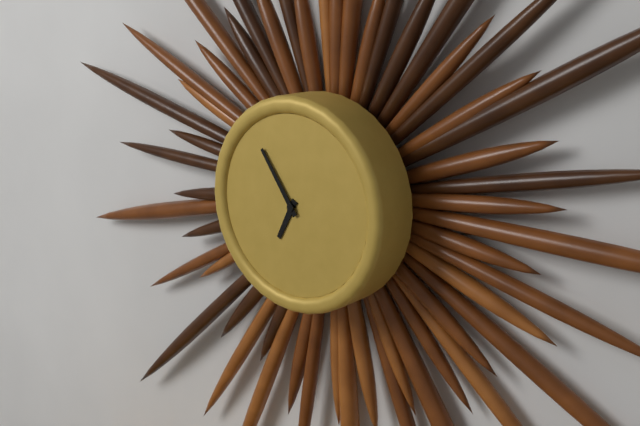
6,54
